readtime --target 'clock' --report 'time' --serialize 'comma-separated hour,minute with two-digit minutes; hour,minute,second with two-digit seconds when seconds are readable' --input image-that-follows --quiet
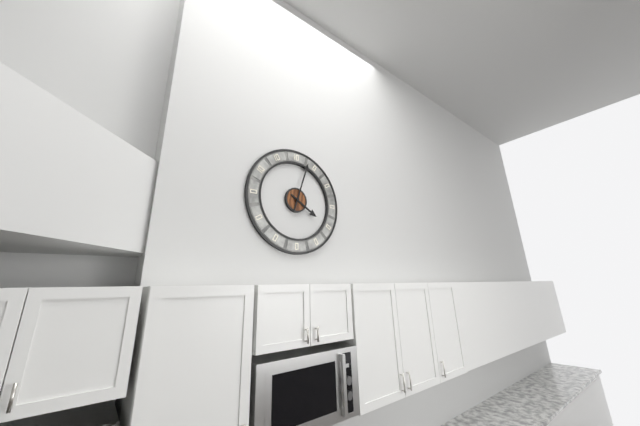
4,03
